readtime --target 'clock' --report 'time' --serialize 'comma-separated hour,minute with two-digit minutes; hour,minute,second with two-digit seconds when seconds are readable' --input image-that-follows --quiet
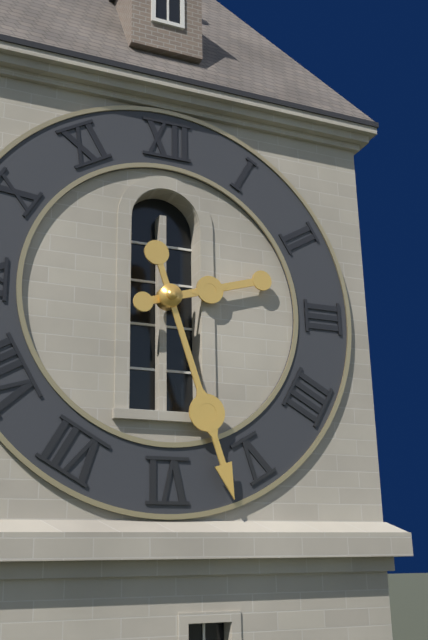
2,27
